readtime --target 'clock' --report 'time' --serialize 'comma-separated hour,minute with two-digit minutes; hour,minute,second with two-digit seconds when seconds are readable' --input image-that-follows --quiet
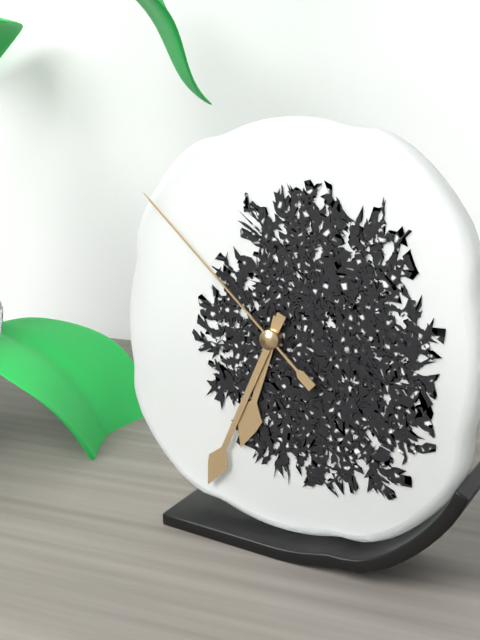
6,34,52
